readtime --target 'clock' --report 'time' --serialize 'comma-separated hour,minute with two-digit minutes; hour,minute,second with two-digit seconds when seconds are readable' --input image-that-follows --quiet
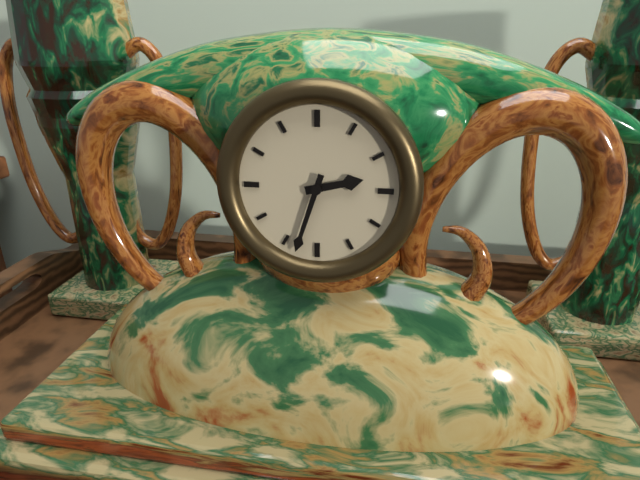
2,33
